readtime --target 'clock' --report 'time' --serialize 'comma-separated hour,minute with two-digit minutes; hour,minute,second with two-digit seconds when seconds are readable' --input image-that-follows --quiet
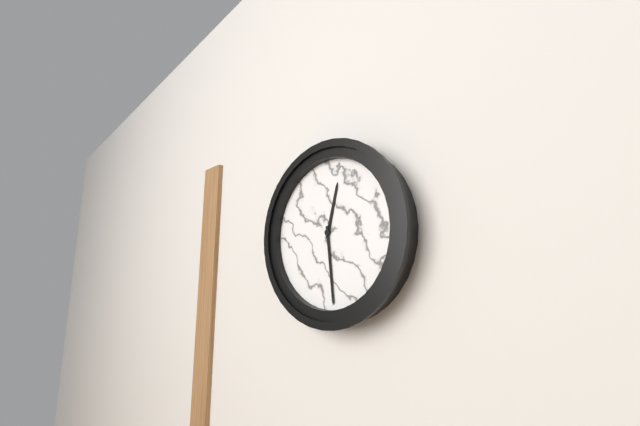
12,29
